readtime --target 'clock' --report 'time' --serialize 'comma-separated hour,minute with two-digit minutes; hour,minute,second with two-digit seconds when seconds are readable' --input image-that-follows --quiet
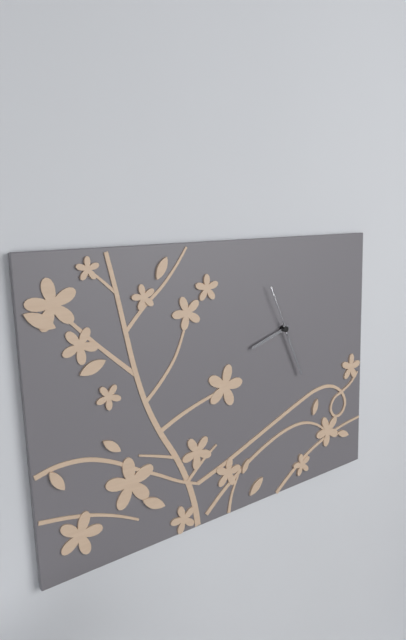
8,26,56
